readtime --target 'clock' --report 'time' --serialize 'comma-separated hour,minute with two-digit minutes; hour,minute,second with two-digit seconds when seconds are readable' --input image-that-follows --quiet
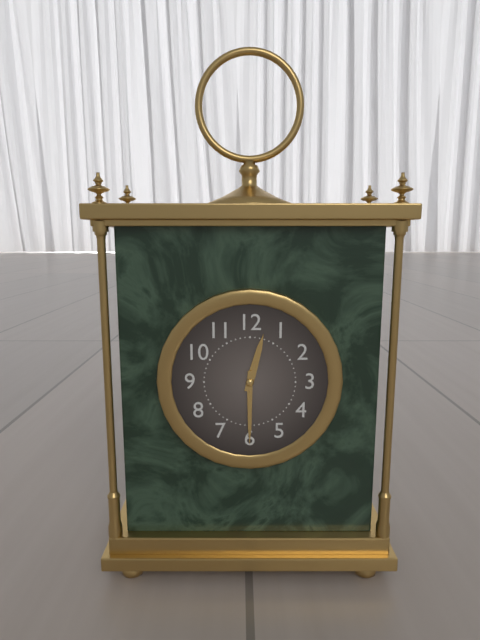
12,30
